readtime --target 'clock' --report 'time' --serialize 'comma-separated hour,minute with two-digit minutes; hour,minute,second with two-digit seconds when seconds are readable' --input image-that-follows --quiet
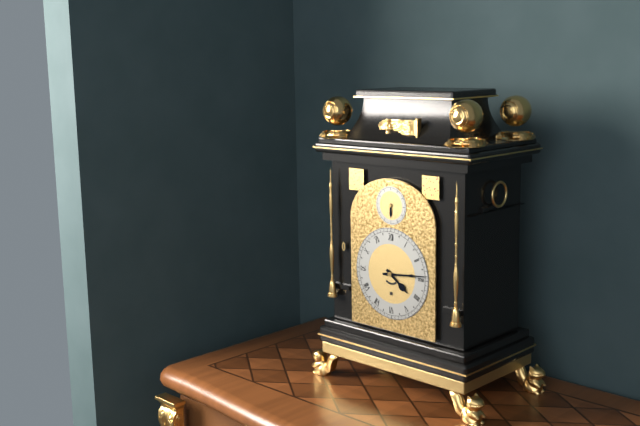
4,14
